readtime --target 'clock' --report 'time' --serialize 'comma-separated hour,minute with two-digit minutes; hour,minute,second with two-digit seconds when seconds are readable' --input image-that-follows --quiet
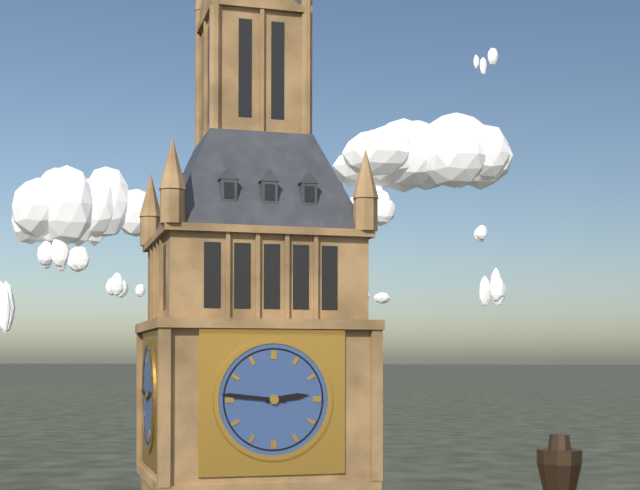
2,46
